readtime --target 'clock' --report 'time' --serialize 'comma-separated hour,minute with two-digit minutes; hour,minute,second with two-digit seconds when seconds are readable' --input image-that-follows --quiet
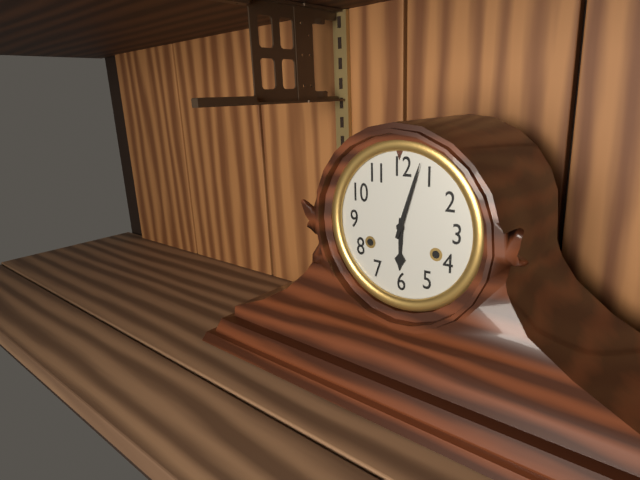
6,03
